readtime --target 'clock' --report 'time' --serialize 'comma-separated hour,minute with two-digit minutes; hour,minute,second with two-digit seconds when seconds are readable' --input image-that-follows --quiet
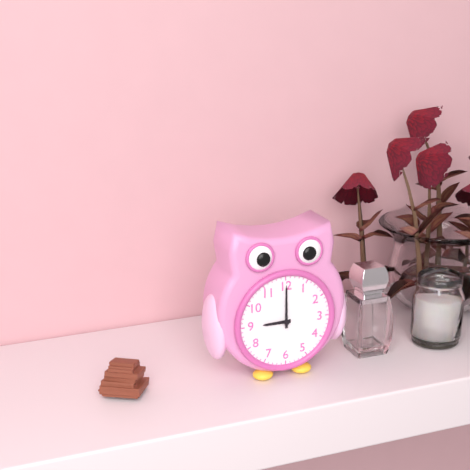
9,00
